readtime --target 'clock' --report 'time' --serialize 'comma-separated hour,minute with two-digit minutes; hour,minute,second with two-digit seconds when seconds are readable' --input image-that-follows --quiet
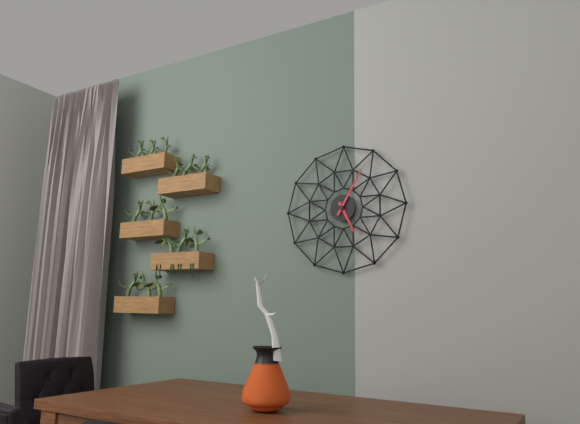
5,05
